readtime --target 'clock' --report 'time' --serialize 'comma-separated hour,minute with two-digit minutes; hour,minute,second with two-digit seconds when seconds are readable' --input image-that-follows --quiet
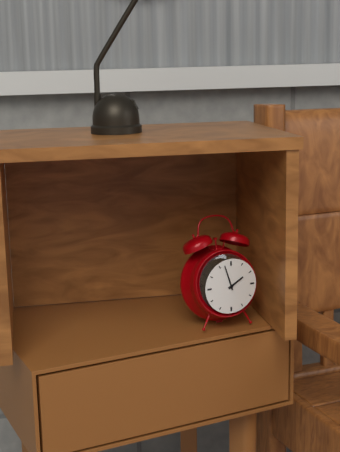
1,57
